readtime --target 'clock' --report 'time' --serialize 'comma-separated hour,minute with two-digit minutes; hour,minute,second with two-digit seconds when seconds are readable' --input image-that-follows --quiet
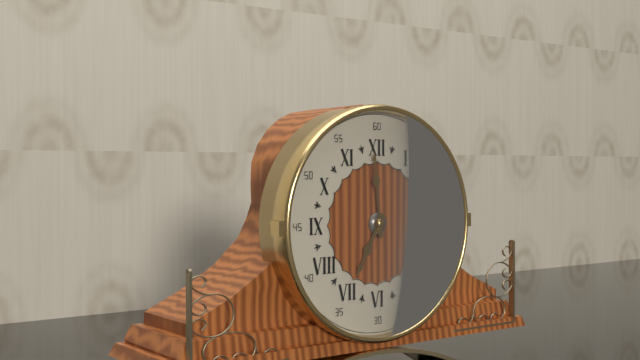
6,59
